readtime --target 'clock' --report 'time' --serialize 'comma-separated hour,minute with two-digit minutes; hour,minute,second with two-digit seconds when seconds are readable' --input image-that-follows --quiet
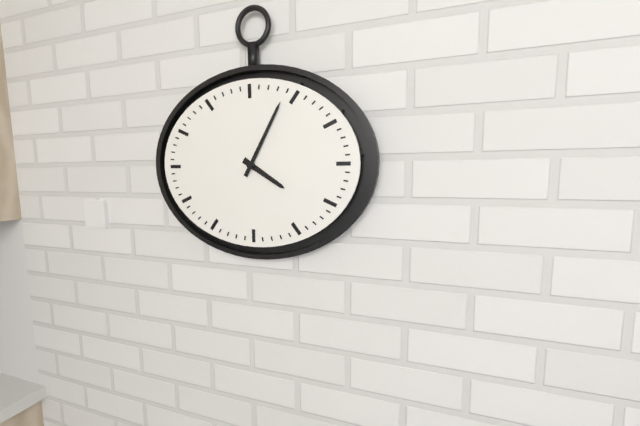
4,05
